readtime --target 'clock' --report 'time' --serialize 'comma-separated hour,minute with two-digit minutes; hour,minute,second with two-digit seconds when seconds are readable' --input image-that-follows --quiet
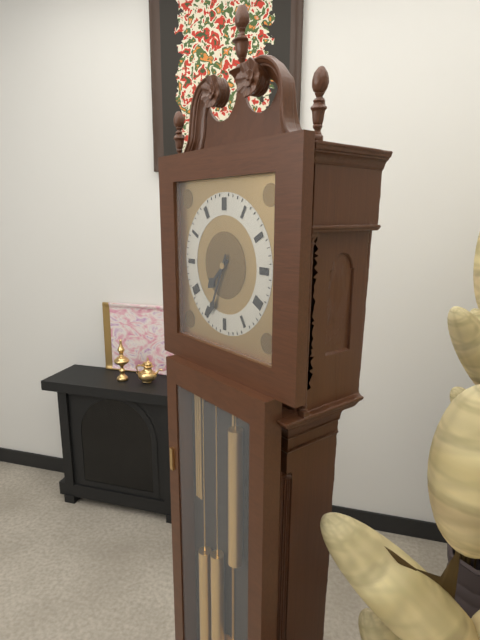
7,34
